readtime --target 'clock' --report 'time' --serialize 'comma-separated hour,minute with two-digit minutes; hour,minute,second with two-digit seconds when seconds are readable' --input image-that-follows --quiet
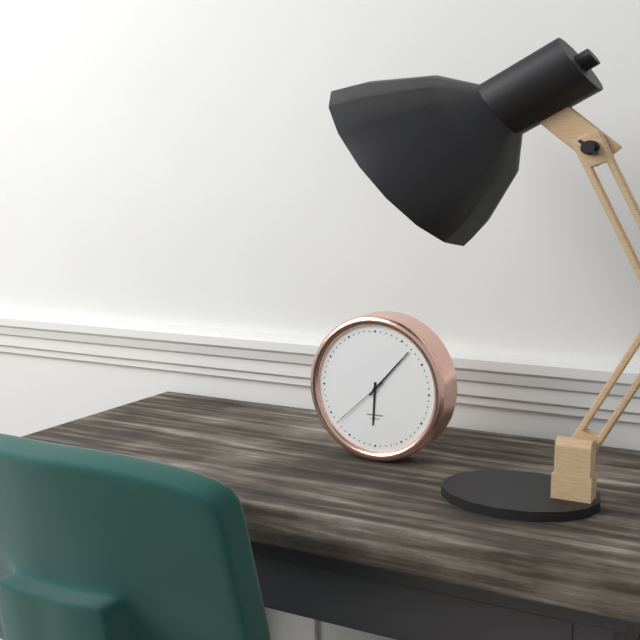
6,07,38
